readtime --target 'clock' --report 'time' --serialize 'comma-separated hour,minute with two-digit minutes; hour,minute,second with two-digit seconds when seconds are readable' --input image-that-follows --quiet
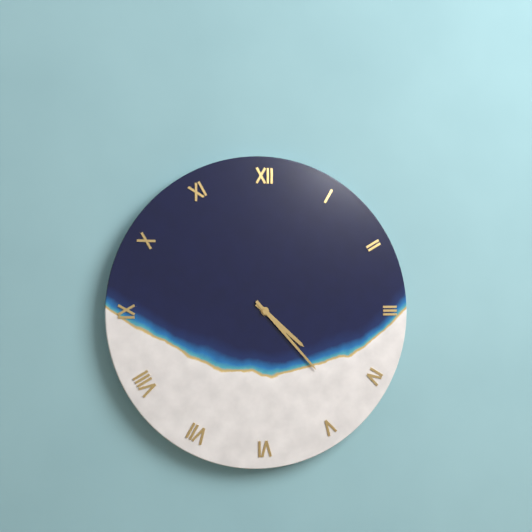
4,23
